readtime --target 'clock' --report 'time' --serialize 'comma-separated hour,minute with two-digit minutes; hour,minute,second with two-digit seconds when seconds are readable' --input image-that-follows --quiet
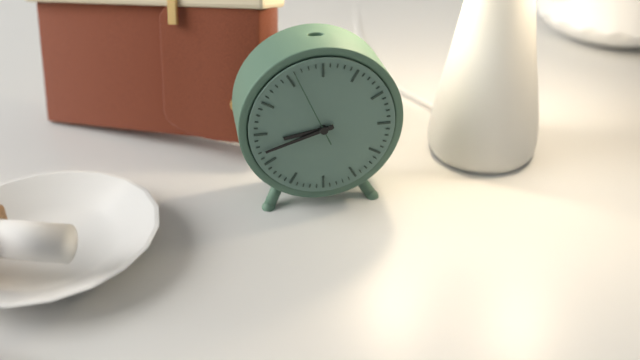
8,42,56
